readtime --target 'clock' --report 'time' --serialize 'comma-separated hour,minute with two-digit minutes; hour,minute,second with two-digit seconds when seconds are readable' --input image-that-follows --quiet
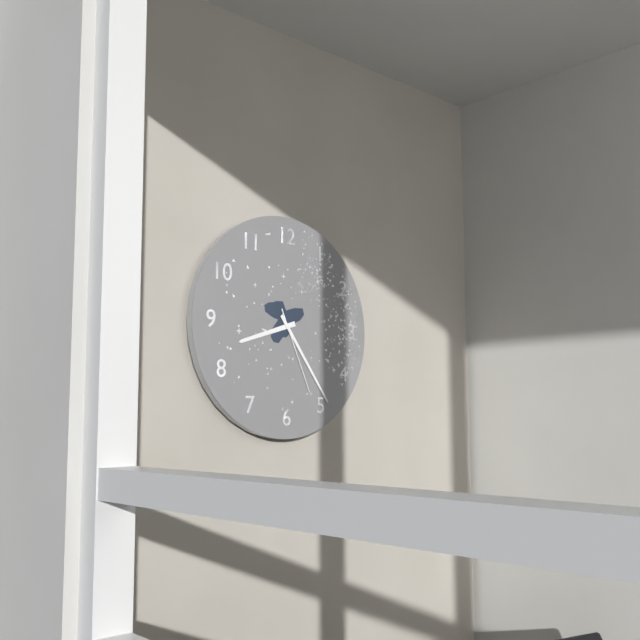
8,24,26
